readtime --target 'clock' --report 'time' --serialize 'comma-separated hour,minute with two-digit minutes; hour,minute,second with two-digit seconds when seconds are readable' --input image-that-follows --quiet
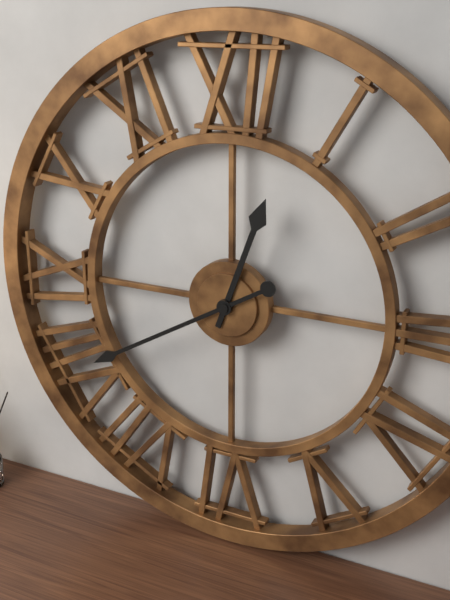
12,40
